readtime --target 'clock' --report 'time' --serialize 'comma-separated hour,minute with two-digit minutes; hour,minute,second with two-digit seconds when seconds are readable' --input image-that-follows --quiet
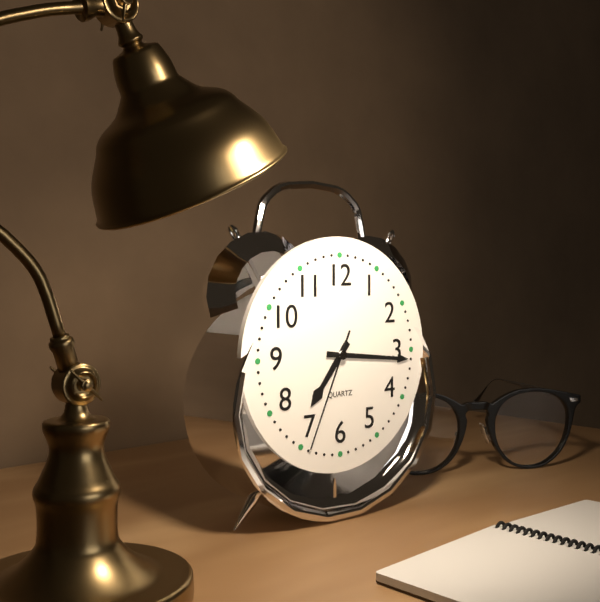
7,16,34
